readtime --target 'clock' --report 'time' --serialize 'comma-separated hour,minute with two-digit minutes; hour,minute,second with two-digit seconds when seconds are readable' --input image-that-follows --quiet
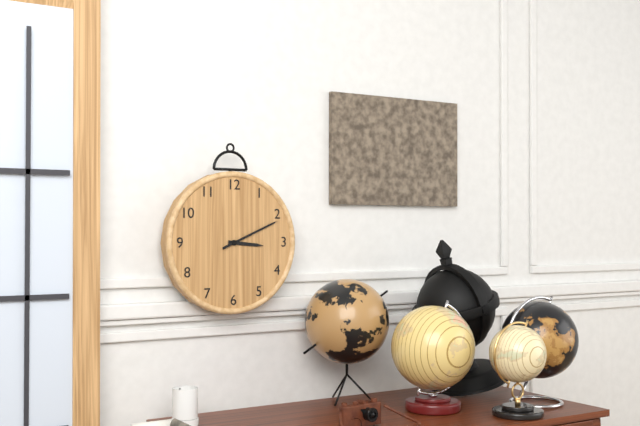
3,11
